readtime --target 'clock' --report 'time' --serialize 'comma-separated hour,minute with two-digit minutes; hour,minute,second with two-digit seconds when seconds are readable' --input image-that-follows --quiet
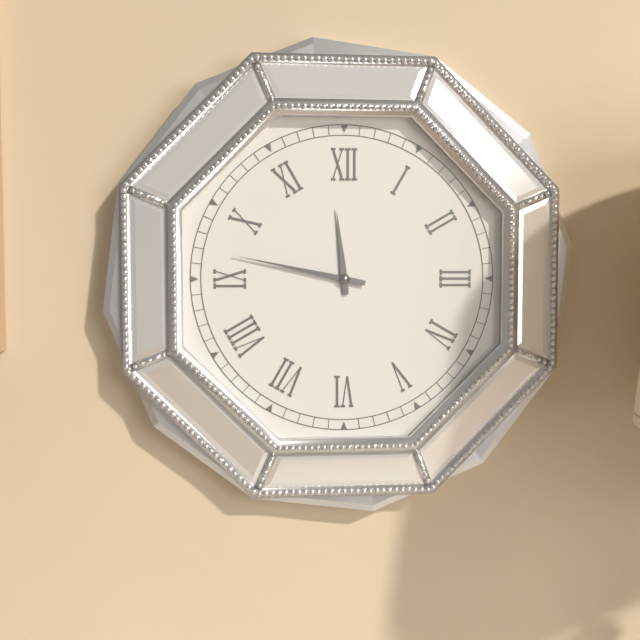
11,47
